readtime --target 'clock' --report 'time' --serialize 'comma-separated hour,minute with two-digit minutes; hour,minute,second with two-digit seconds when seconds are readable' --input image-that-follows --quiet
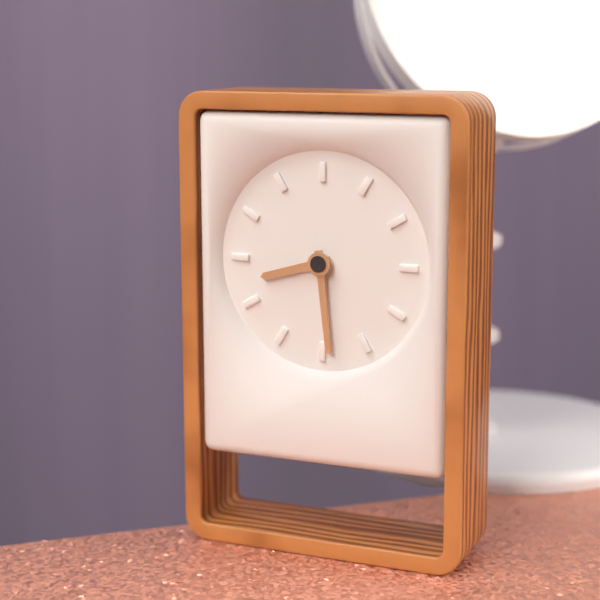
8,29
